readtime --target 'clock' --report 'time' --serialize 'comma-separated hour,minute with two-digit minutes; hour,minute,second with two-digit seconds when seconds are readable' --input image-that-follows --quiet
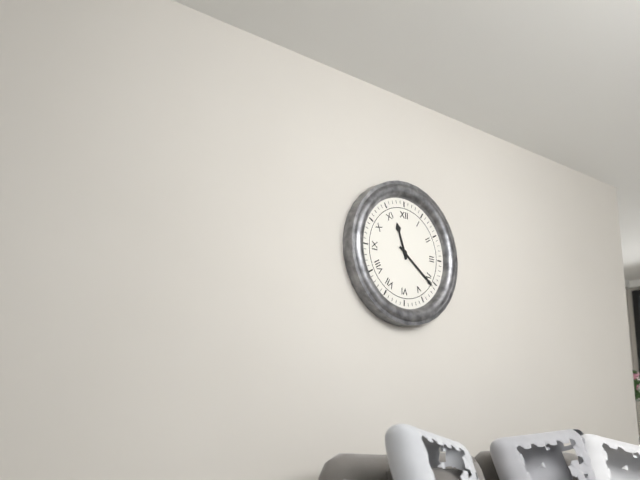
11,21
